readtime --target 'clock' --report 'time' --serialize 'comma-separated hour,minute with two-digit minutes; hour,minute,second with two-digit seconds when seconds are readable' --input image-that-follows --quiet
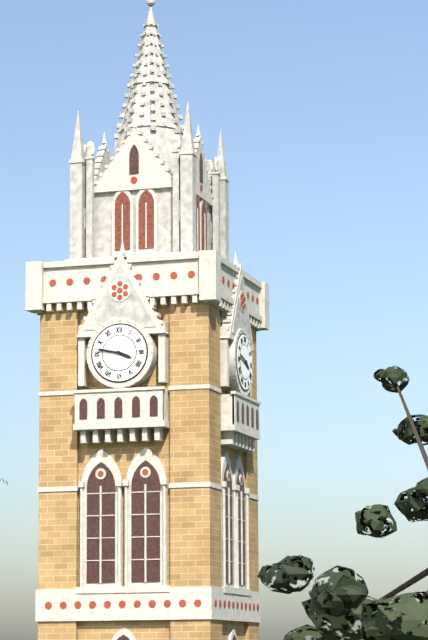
3,47
